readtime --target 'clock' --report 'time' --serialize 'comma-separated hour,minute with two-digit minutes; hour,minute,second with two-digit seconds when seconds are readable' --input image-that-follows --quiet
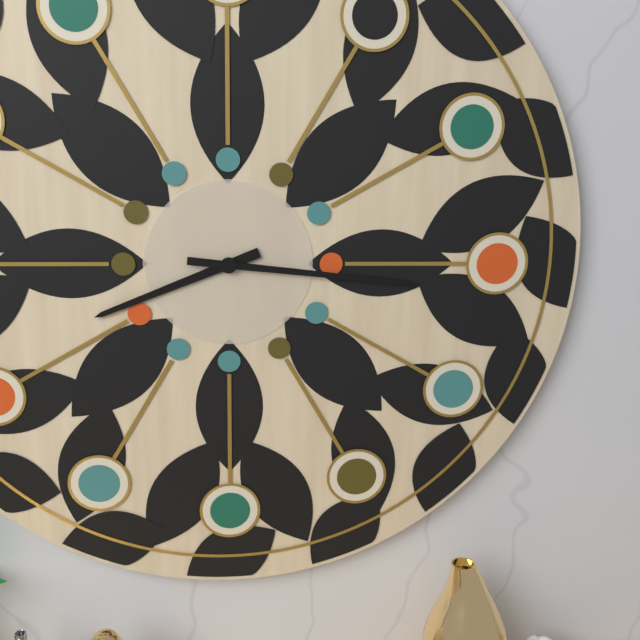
8,16
